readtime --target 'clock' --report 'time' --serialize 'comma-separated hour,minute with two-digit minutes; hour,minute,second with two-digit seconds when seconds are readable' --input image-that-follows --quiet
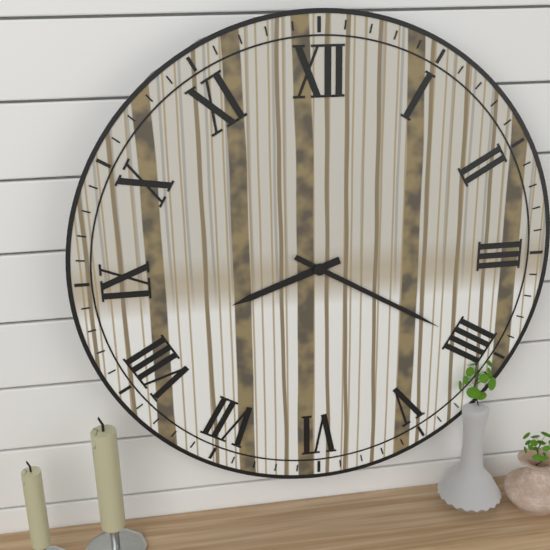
8,20
